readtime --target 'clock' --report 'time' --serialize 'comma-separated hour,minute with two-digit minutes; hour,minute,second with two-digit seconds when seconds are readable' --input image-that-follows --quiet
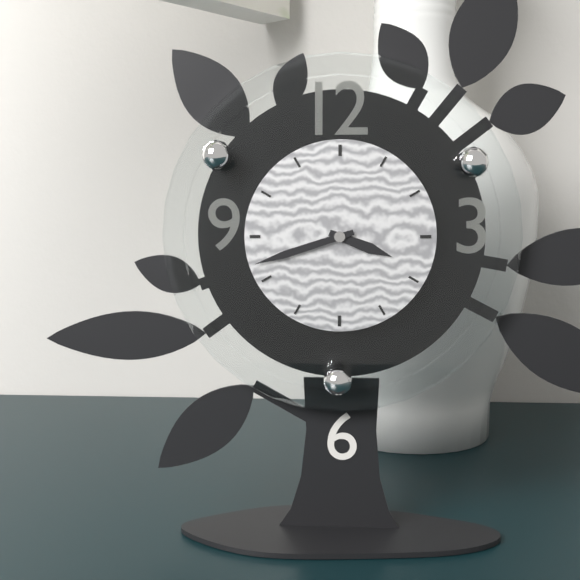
3,42
